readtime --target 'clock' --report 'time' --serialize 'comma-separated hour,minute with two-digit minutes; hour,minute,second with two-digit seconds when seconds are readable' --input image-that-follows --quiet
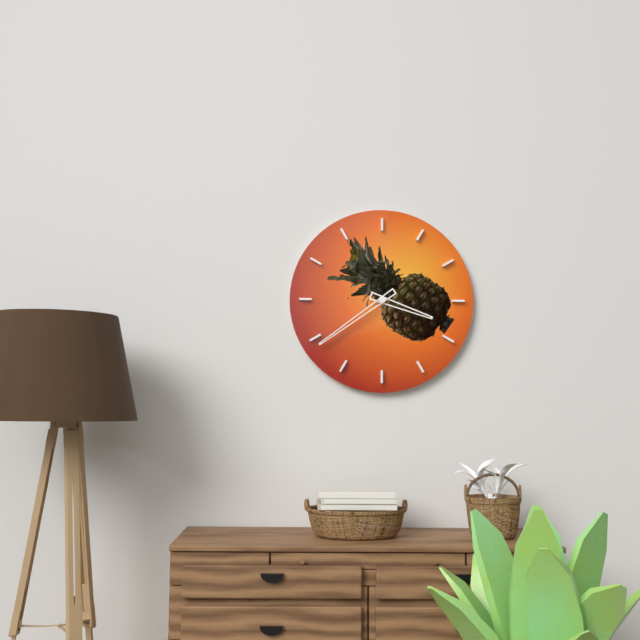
3,39
